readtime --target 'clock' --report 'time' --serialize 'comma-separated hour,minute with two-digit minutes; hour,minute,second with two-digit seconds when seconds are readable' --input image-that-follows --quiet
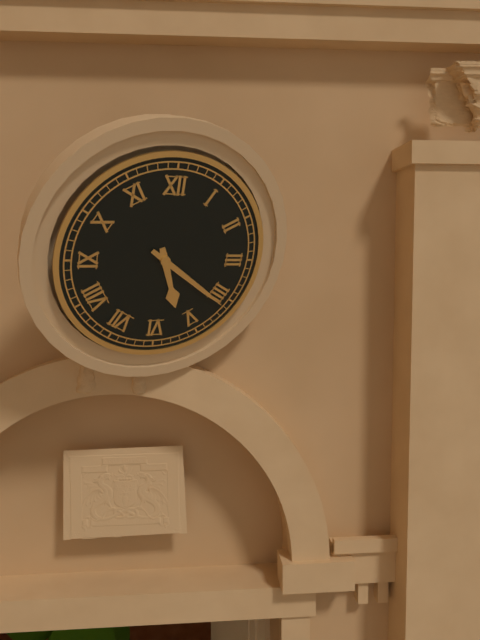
5,21
